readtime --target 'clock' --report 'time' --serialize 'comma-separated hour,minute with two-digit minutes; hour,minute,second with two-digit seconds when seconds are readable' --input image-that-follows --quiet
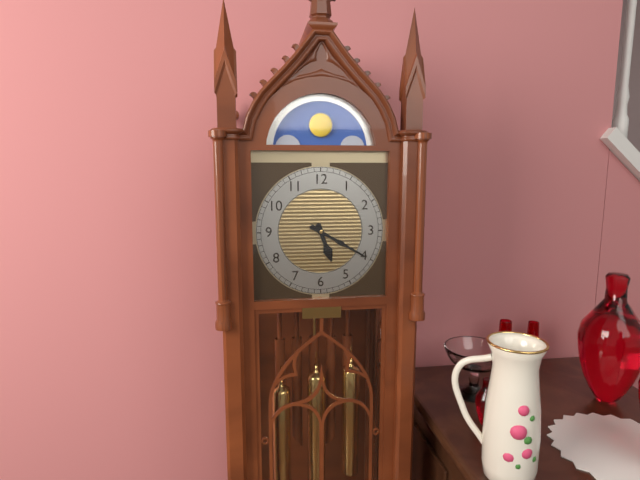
5,20
